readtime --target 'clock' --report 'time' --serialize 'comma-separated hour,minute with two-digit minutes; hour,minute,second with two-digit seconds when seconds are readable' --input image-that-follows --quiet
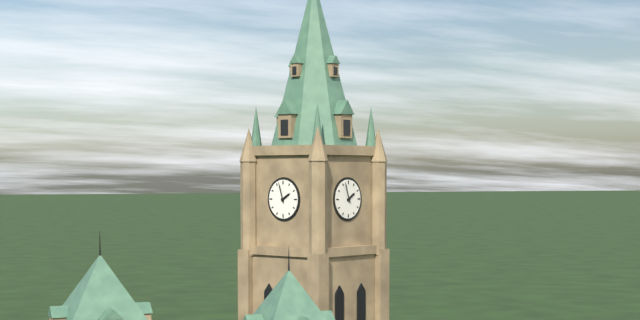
1,57
